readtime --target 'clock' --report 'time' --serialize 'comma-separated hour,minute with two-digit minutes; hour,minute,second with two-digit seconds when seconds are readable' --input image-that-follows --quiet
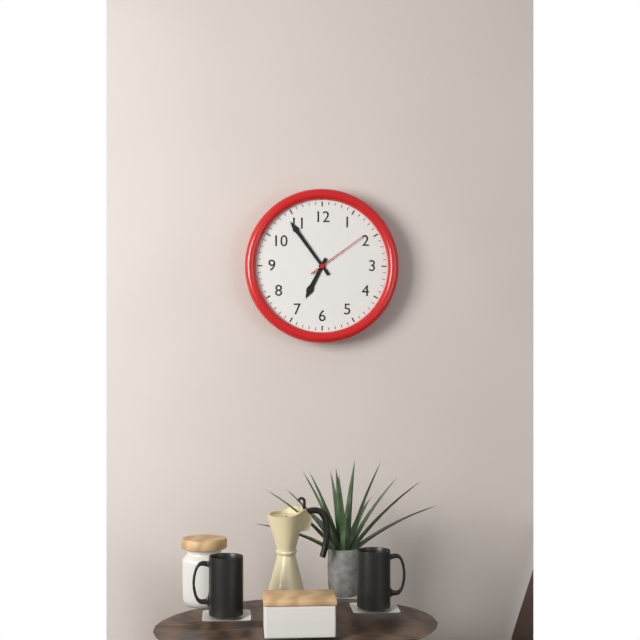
6,54,09
